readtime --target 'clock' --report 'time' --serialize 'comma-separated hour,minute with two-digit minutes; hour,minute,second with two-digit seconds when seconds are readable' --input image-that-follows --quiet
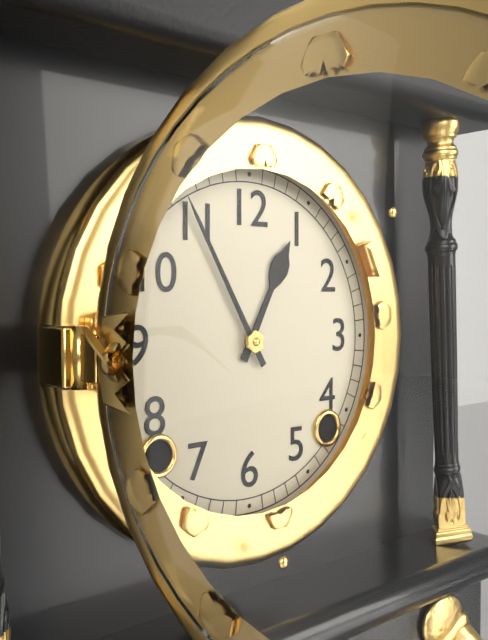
12,55
